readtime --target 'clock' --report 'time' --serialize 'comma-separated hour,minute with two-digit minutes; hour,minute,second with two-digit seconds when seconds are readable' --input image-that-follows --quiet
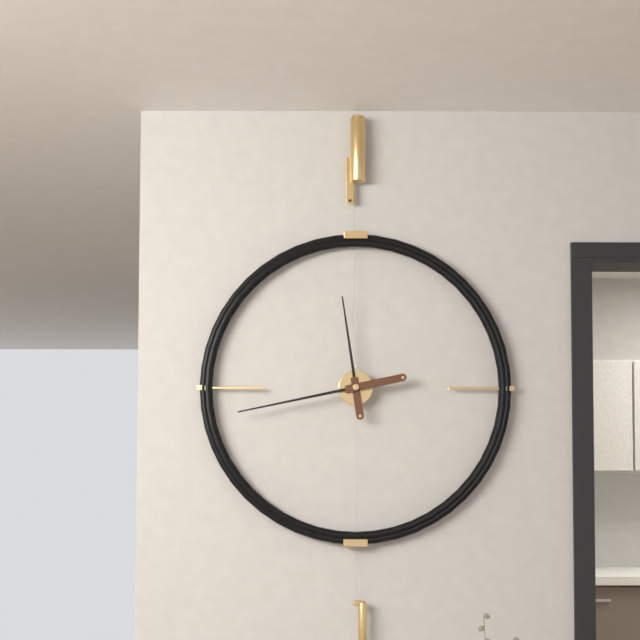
11,43
